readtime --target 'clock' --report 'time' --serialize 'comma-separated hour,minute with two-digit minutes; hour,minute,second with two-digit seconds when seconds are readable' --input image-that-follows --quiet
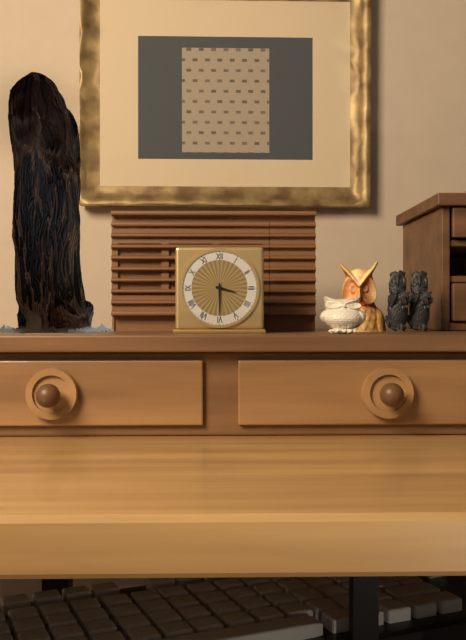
3,30
